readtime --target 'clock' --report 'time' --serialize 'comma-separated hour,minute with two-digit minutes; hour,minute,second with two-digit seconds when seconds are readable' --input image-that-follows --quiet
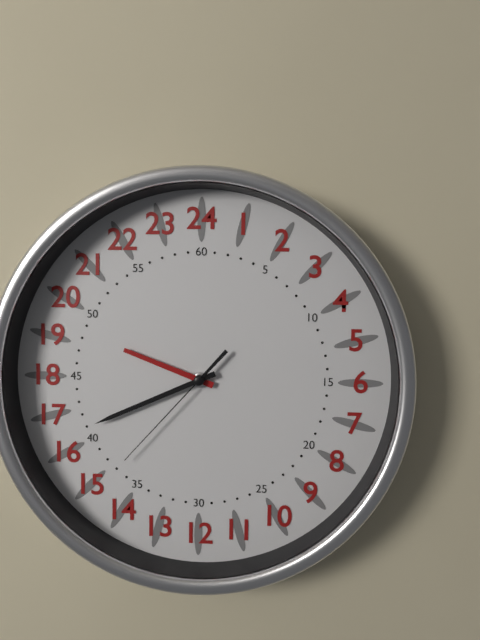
9,41,37
